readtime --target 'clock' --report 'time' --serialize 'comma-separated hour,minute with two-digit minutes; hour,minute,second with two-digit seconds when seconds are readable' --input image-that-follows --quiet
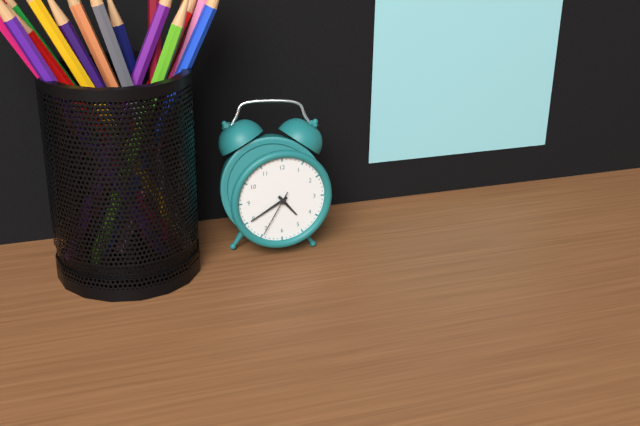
4,40
